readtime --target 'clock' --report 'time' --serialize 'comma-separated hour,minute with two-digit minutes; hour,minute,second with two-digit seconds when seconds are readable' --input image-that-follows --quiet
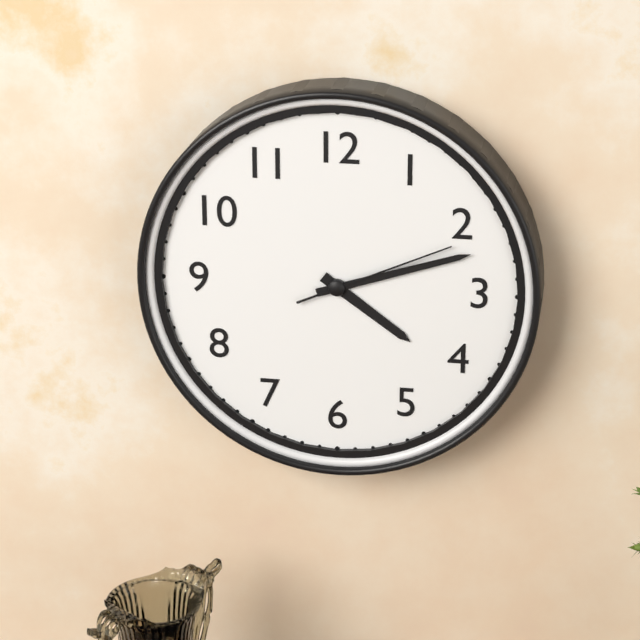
4,12,11
